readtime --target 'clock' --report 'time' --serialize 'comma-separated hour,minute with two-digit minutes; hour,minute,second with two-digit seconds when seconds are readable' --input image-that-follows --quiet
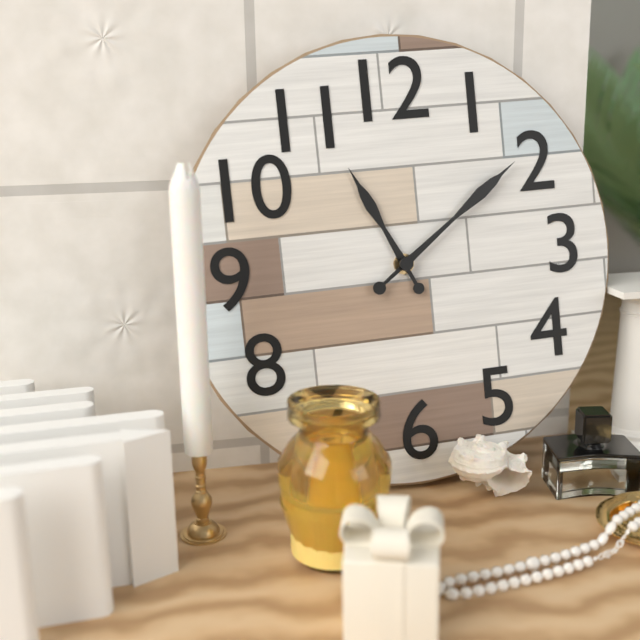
11,09
